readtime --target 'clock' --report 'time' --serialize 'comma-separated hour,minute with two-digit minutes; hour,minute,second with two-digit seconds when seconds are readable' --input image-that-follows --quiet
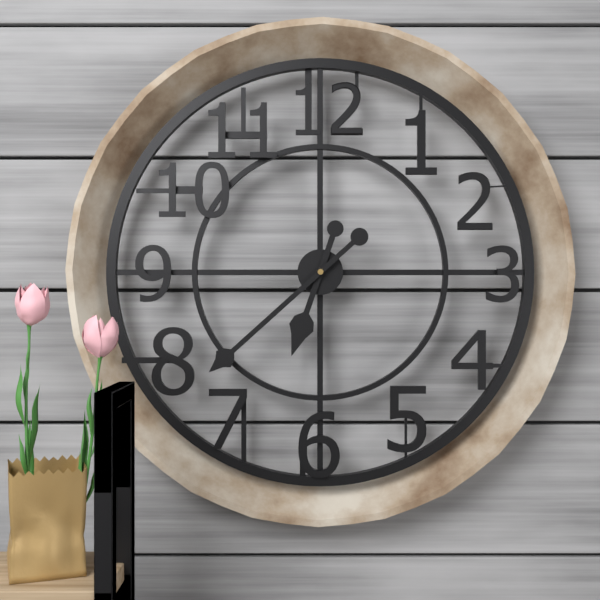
6,38
